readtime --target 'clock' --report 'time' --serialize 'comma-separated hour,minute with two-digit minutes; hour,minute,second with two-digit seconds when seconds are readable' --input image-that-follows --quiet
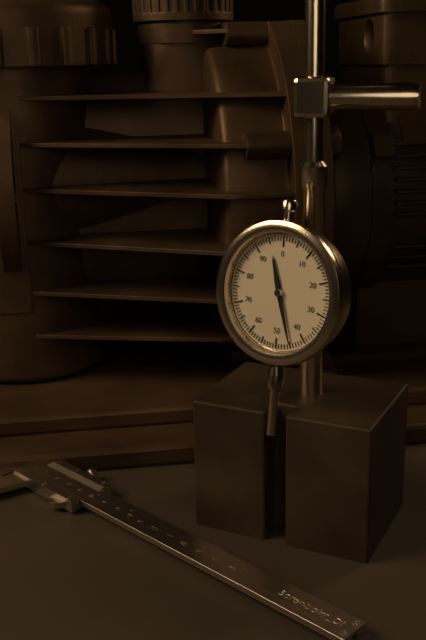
11,27
